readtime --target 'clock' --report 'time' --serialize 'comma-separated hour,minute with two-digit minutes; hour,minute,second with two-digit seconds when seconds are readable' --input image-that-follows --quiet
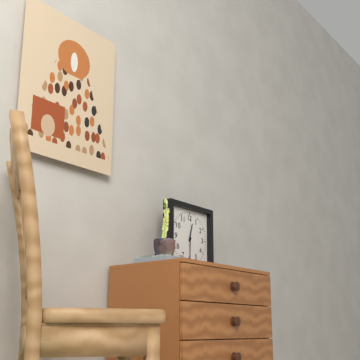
12,30
